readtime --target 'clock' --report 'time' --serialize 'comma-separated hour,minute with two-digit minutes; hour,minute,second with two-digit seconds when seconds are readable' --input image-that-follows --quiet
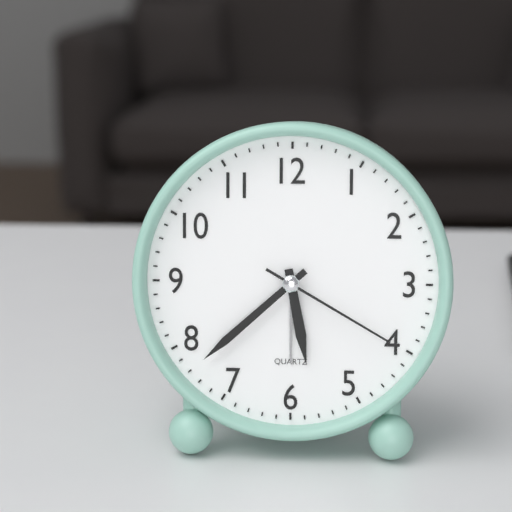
5,38,20
